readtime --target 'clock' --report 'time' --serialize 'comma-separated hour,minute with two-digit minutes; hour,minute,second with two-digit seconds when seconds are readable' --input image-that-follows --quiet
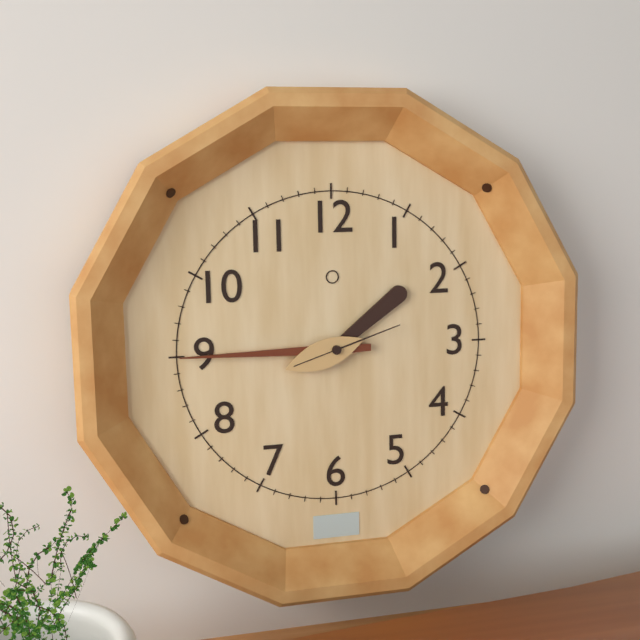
1,45,12
